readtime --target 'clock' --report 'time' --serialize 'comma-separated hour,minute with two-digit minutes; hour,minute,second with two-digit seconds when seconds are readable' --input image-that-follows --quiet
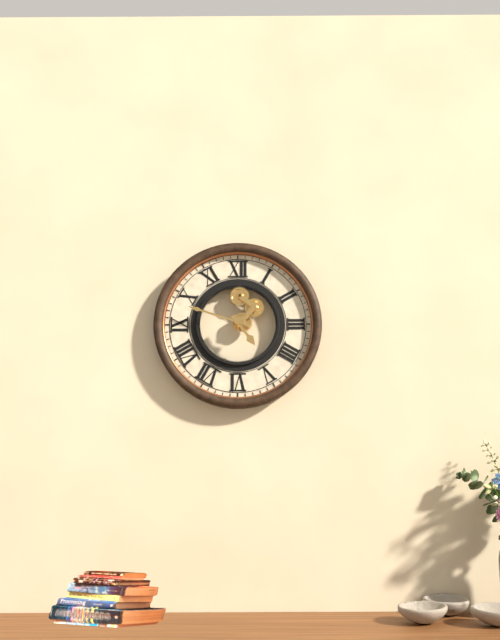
4,48
